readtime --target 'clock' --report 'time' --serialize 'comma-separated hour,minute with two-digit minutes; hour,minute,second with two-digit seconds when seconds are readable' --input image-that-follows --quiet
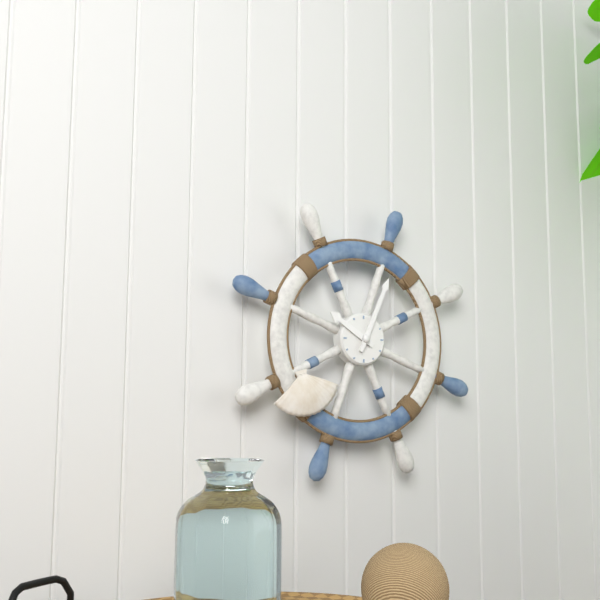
10,04
